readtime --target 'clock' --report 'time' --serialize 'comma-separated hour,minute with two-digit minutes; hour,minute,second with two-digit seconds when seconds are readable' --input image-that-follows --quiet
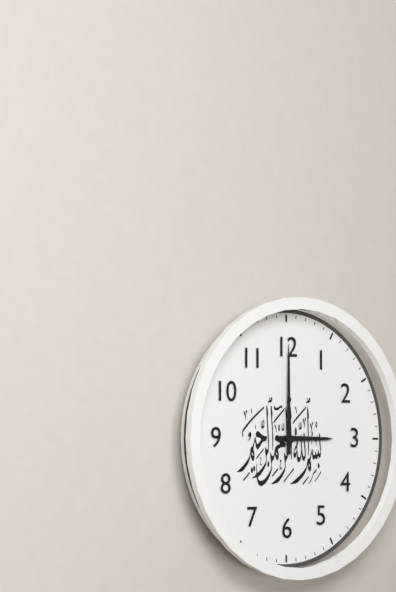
3,00
